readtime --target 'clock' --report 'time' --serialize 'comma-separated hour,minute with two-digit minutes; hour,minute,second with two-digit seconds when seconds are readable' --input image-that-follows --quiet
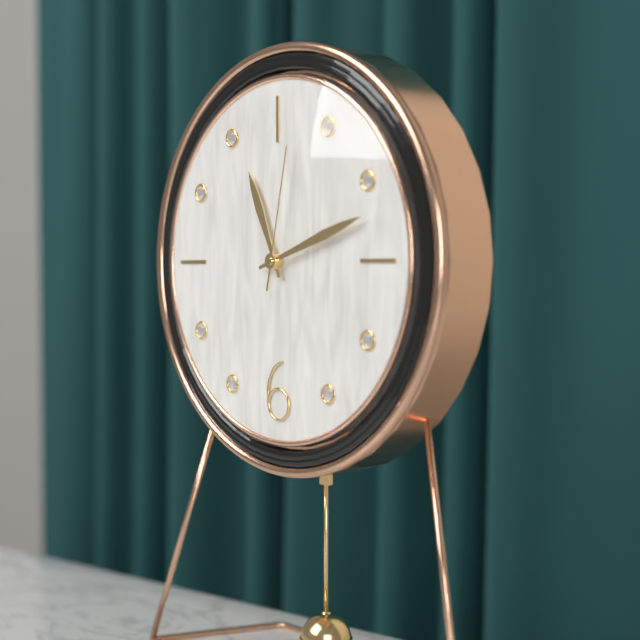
11,12,02
